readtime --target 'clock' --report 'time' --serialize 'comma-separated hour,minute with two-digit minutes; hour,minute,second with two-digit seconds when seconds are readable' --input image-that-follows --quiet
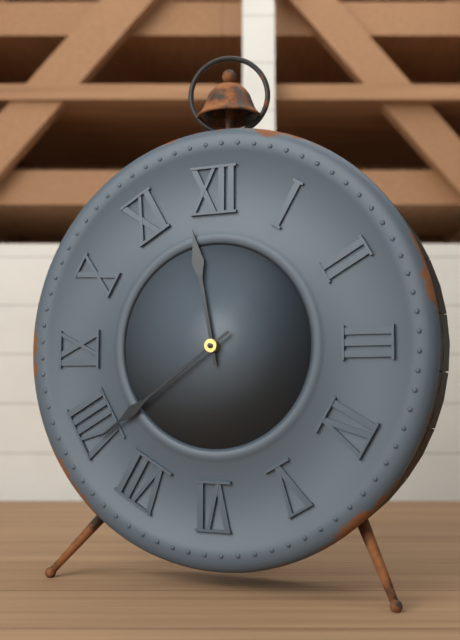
11,39
